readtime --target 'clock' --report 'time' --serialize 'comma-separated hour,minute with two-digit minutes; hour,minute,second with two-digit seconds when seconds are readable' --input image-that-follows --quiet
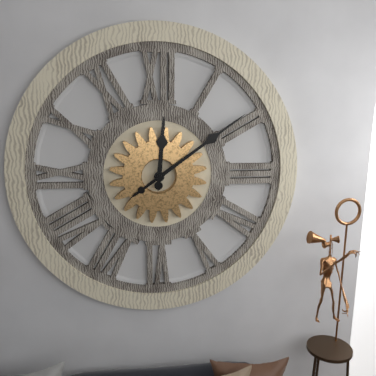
12,09
